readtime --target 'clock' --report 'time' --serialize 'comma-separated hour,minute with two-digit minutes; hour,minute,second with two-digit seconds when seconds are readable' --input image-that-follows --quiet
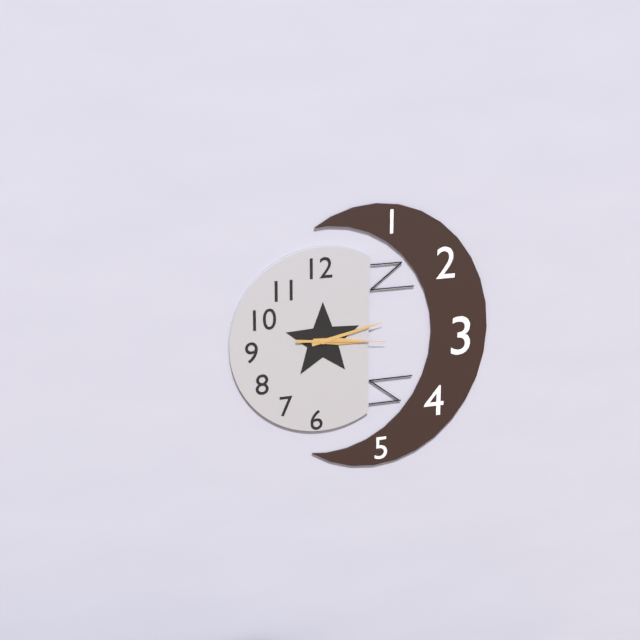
3,13,16
